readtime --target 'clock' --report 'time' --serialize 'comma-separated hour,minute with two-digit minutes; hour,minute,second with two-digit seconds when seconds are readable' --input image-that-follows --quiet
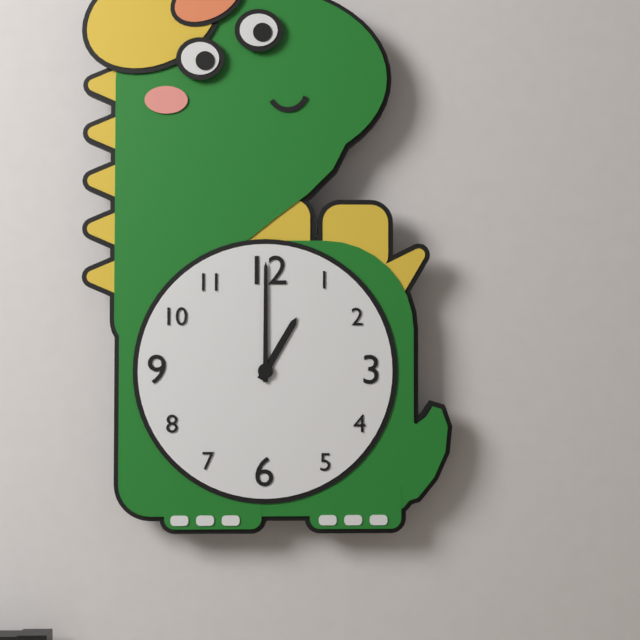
1,00
